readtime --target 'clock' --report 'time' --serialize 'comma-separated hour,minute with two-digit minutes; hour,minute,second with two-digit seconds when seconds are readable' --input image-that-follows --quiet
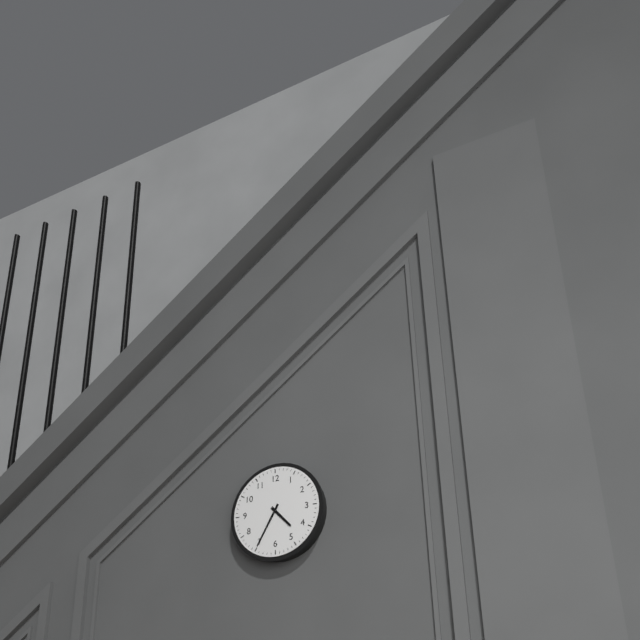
4,35
